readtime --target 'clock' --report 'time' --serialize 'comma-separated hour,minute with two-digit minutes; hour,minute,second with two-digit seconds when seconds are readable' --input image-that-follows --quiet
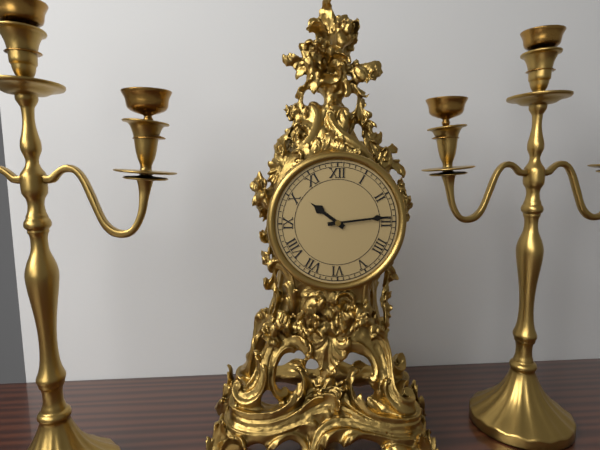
10,14
